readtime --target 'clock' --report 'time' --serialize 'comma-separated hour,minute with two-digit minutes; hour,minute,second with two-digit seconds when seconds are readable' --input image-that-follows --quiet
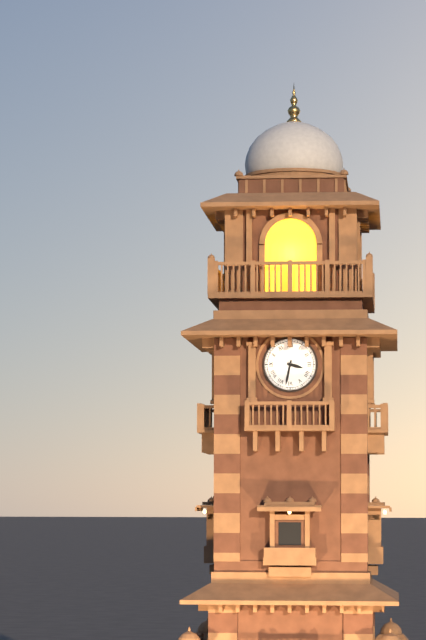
3,32
